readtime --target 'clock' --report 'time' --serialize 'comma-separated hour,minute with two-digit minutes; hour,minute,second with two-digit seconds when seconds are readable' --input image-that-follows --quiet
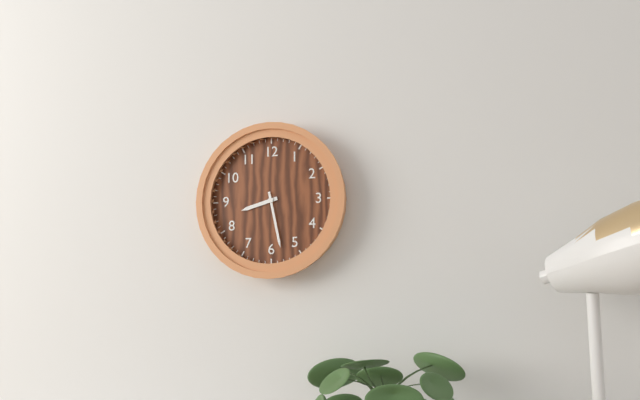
8,28
